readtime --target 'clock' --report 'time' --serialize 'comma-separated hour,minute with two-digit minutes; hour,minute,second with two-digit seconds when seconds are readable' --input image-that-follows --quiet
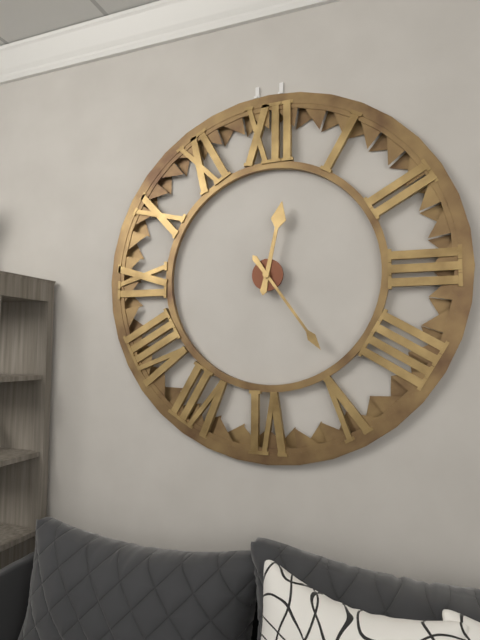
12,24
